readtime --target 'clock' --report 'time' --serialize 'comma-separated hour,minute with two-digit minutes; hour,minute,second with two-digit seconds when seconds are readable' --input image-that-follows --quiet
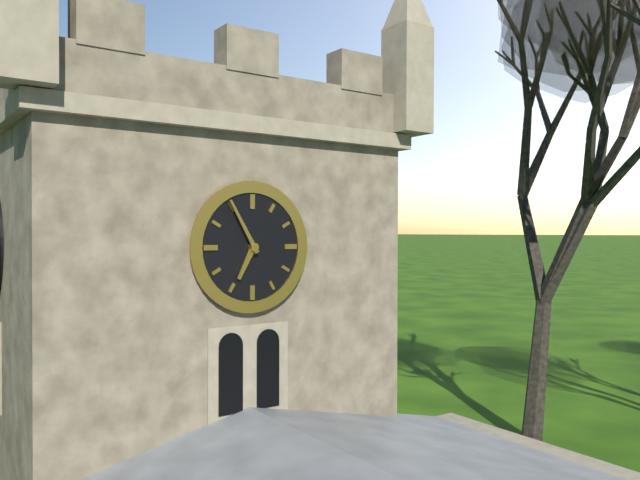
6,55
